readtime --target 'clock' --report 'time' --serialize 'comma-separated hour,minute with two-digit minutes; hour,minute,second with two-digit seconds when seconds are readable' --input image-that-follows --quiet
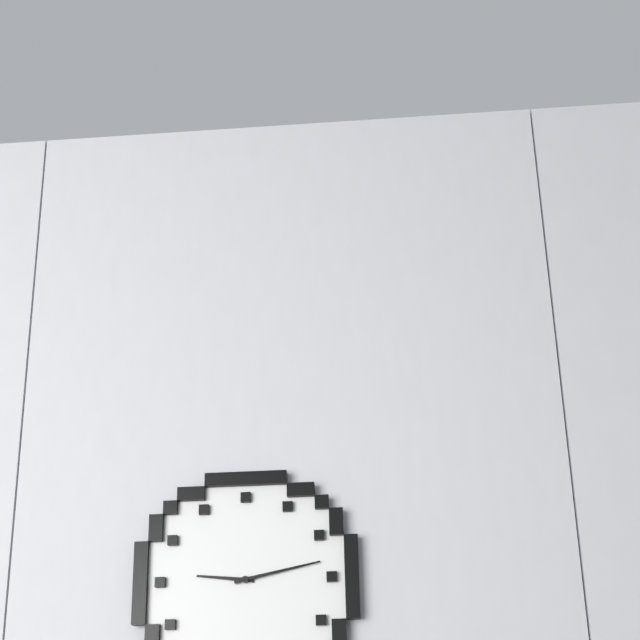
9,13
